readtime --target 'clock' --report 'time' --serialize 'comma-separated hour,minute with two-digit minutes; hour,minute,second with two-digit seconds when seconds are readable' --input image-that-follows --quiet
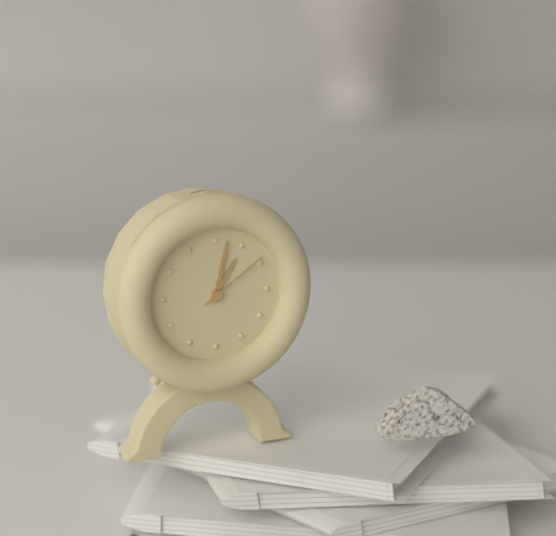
1,02,09
